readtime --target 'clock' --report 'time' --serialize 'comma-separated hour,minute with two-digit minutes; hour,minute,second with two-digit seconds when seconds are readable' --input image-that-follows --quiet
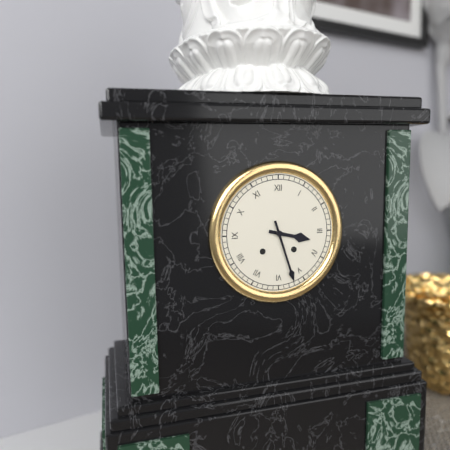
3,27
